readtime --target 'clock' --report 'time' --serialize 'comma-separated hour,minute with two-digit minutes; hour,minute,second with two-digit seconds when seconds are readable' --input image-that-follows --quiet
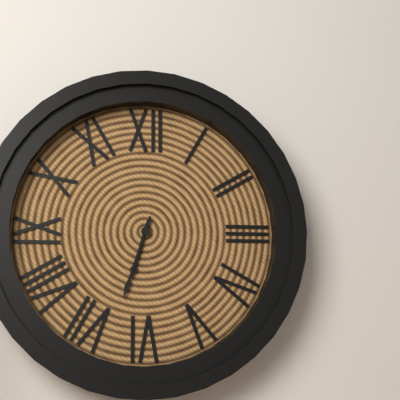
6,33
